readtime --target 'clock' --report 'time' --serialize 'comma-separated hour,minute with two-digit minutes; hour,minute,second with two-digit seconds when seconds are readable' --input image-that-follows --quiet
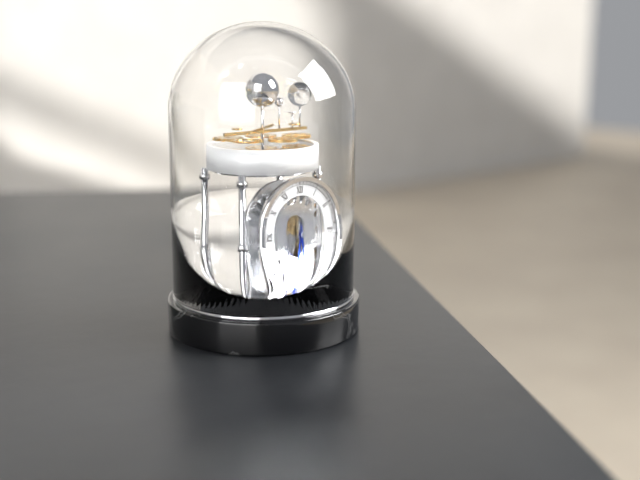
6,28
